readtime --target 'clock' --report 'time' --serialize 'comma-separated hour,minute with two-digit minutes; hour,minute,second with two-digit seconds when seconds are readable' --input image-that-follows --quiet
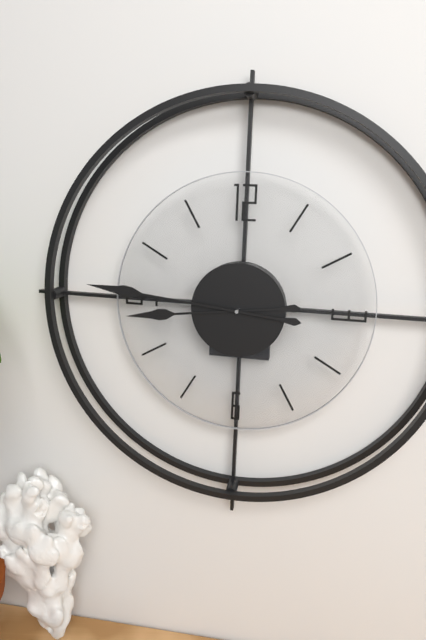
8,46
